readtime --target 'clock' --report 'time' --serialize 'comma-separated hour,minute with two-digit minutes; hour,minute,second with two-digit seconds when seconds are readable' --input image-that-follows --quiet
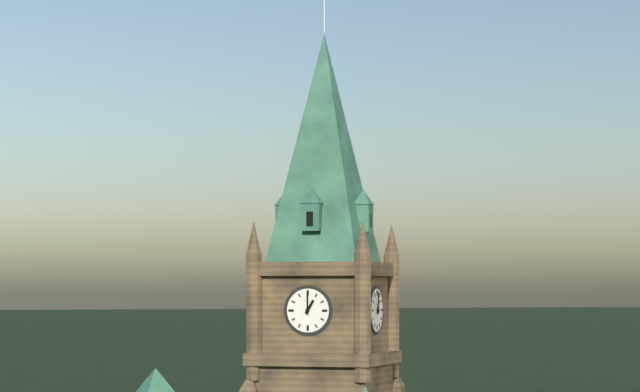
1,00
